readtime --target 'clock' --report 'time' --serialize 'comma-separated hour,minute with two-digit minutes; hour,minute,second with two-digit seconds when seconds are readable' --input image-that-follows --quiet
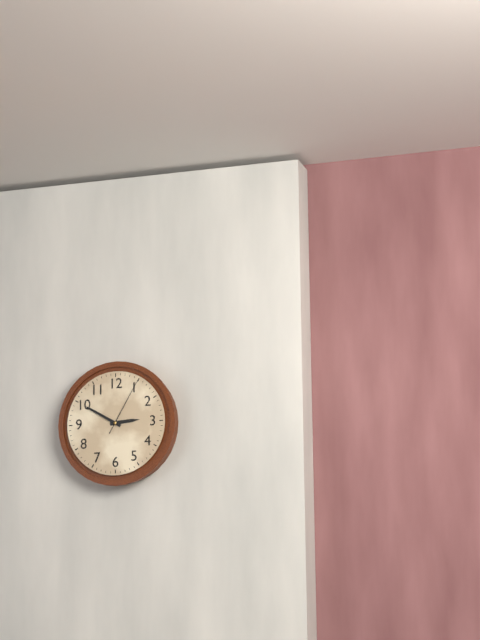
2,50,05
